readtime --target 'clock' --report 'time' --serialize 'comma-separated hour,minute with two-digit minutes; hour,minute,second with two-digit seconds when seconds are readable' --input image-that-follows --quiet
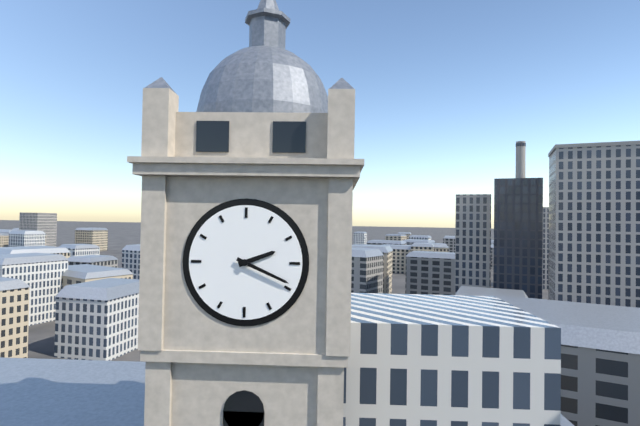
2,19
